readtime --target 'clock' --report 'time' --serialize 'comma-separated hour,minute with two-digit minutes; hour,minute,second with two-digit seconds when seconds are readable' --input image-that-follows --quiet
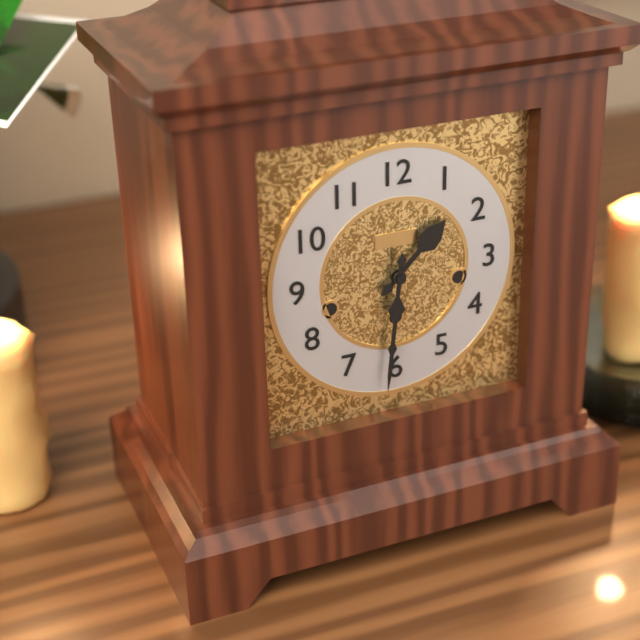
1,31
